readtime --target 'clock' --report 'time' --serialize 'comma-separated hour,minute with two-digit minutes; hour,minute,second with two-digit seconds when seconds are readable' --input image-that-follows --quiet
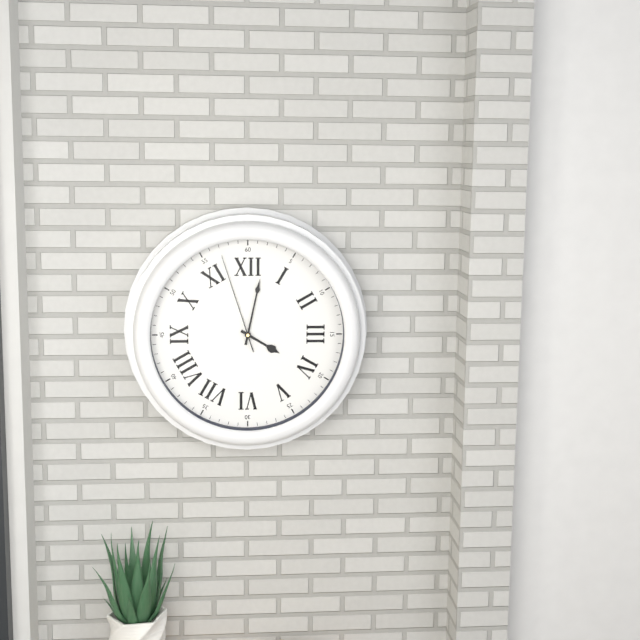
4,02,57
